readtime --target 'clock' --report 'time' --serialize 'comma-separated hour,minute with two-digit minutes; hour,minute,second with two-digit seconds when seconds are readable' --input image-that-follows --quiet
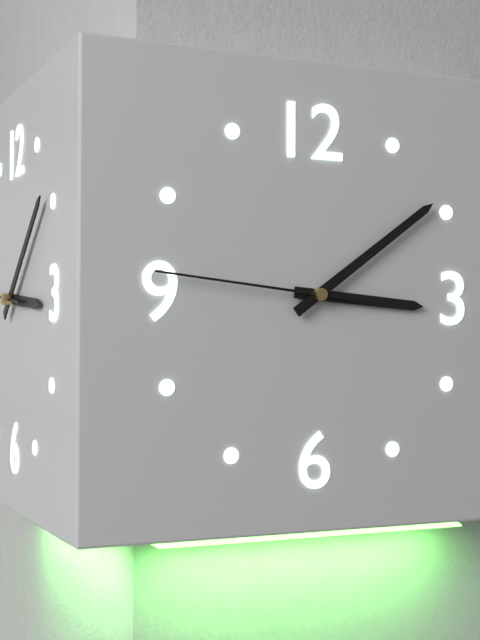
3,09,46
